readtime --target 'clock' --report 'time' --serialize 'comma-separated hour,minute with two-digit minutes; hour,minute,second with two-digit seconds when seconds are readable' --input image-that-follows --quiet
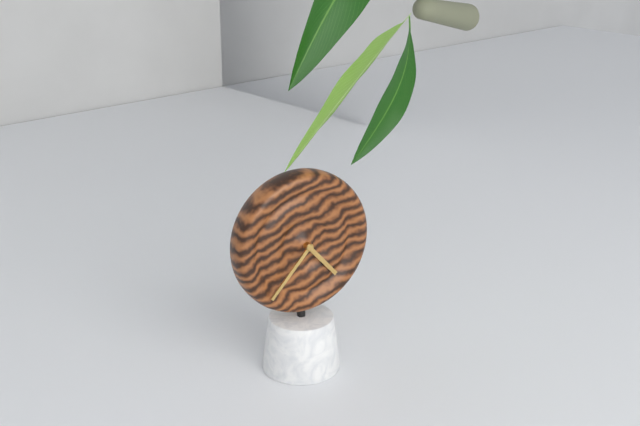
4,37
